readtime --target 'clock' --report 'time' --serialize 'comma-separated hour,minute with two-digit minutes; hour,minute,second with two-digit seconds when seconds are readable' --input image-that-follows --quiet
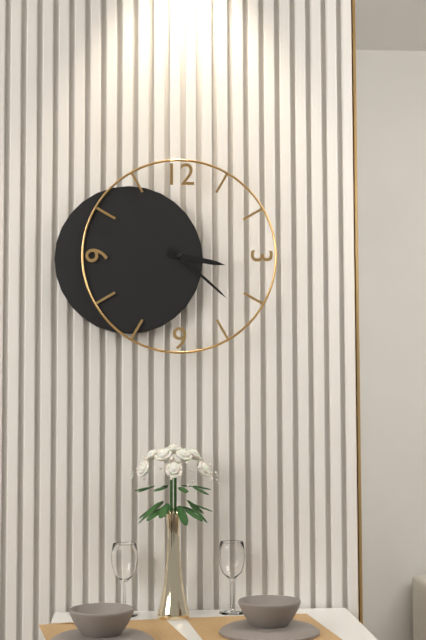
3,22
